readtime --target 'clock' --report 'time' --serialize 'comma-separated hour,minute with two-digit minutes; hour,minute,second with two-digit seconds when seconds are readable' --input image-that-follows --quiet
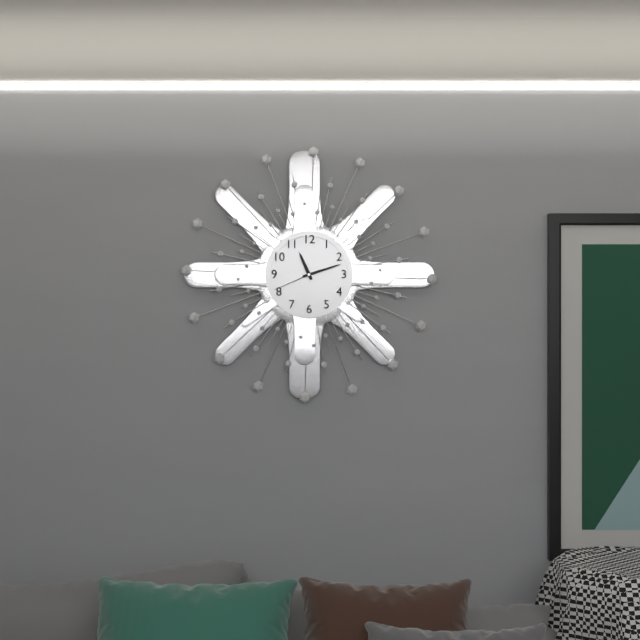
11,12
